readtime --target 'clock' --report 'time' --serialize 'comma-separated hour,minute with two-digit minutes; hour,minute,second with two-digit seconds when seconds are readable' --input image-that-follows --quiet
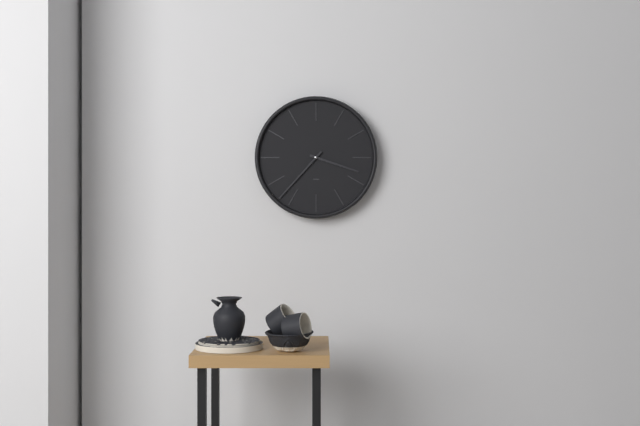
3,37
